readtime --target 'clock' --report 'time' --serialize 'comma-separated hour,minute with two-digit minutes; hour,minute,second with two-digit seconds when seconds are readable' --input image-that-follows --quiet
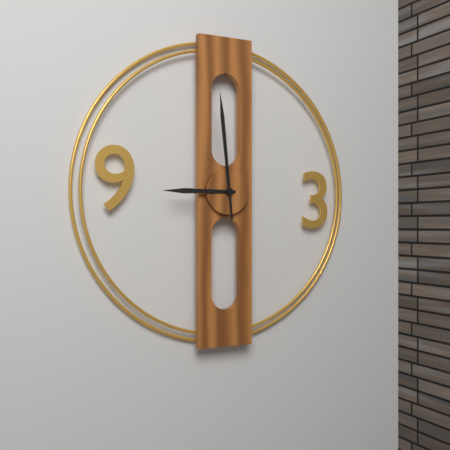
8,59
